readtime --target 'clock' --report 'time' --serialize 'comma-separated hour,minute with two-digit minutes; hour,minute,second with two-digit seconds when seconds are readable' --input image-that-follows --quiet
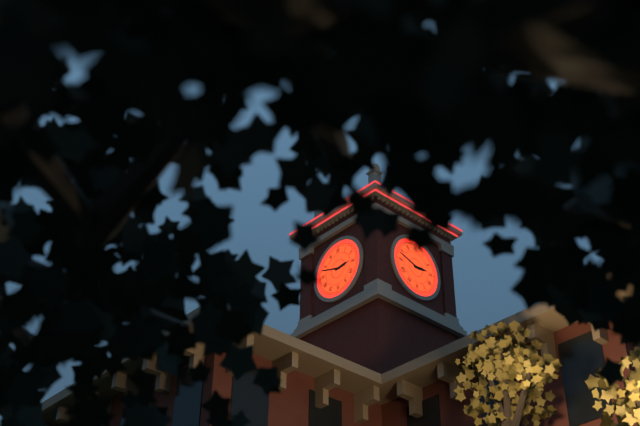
2,48
